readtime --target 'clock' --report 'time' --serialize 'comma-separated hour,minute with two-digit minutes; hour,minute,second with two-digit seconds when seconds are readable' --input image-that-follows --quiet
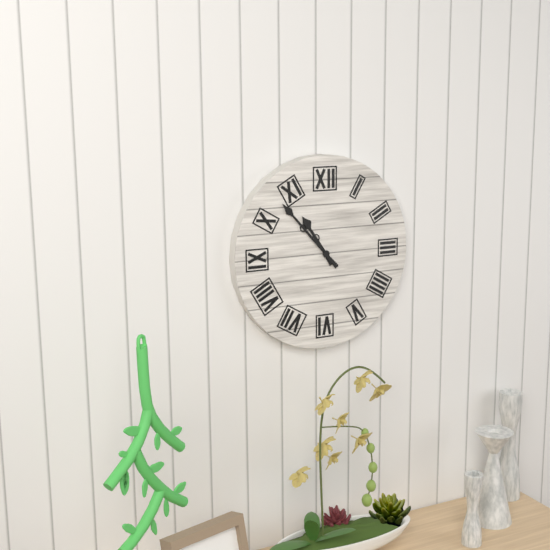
10,53
